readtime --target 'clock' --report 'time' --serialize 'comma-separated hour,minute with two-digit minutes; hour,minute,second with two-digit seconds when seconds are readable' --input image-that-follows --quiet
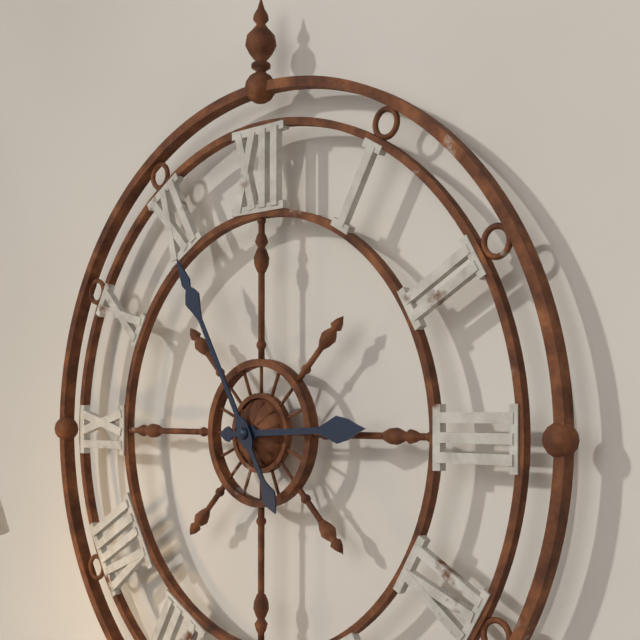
2,55
